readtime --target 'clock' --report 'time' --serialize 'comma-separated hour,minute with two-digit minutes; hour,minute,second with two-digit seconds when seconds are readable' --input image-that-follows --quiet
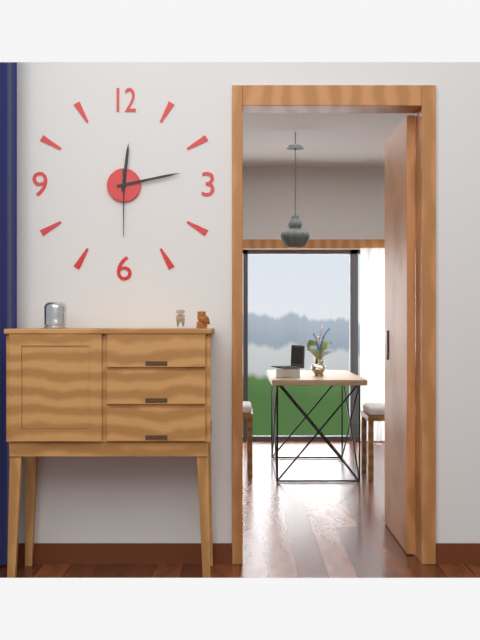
12,13,30
